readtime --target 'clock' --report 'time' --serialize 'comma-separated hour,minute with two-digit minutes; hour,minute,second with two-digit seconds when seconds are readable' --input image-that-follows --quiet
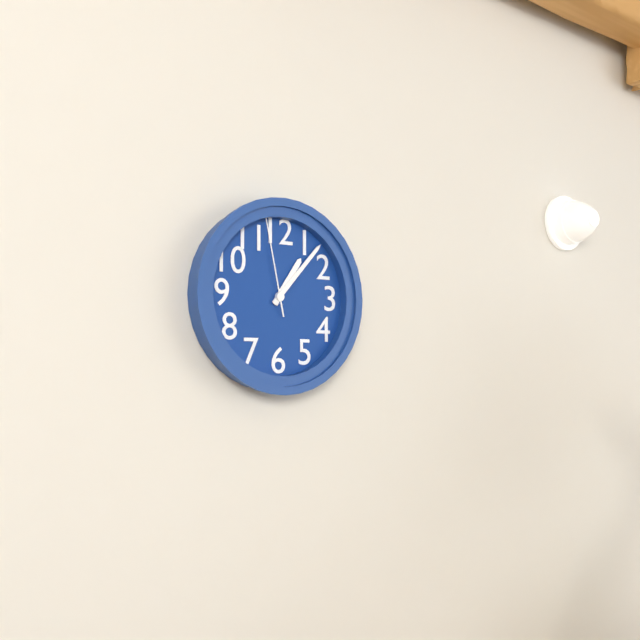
1,07,58
